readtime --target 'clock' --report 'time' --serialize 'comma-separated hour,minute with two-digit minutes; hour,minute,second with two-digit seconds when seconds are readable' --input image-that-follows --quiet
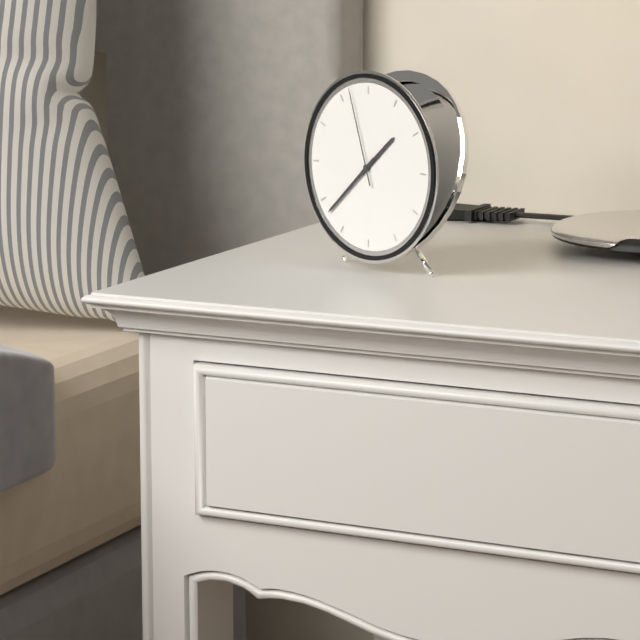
1,38,57
